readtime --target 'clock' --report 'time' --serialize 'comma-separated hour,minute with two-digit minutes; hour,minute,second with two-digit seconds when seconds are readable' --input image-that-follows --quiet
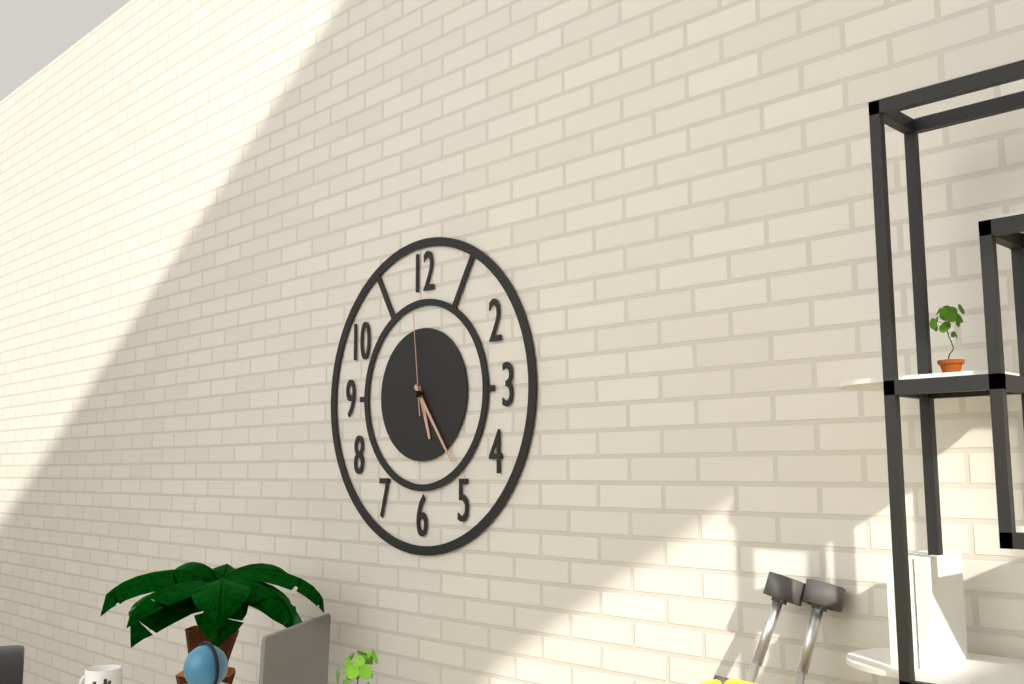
5,24,59
